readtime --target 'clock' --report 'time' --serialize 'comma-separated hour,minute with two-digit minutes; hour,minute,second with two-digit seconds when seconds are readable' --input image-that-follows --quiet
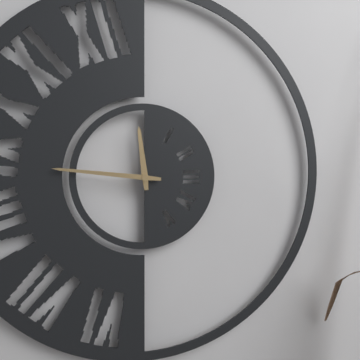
11,46
